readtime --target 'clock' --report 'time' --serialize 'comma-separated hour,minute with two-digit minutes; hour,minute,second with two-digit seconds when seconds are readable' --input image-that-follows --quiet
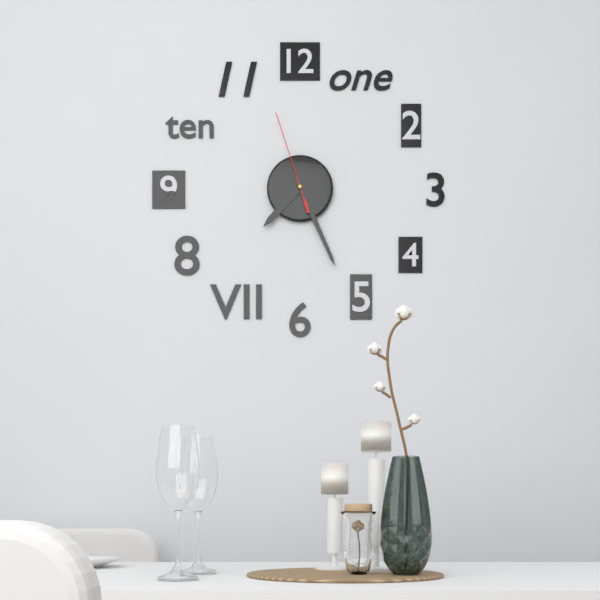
7,26,57
